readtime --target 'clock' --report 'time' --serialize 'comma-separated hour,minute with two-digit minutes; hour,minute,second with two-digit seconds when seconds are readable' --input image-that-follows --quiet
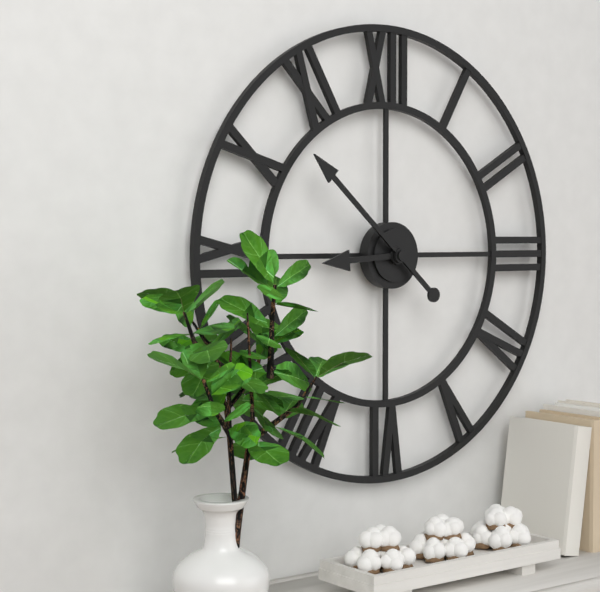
8,52
